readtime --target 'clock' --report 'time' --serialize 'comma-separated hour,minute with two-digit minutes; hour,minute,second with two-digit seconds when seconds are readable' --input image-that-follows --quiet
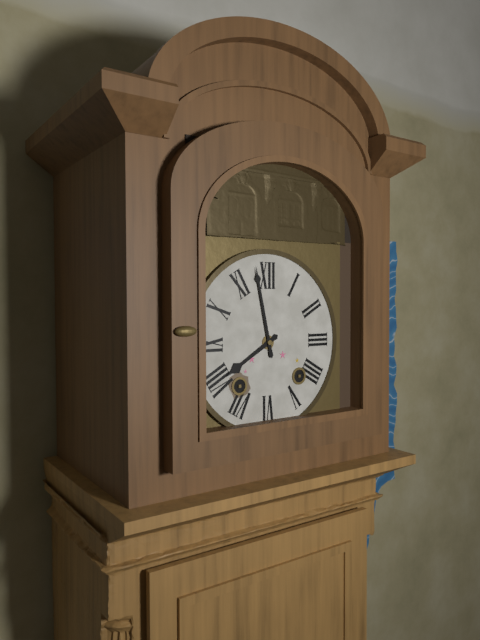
7,58
